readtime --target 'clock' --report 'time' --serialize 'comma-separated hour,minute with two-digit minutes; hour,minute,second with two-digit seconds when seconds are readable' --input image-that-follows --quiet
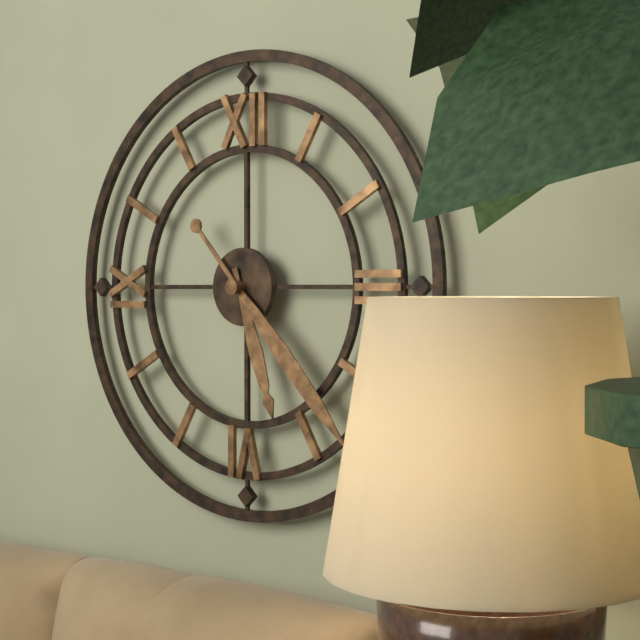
5,23
